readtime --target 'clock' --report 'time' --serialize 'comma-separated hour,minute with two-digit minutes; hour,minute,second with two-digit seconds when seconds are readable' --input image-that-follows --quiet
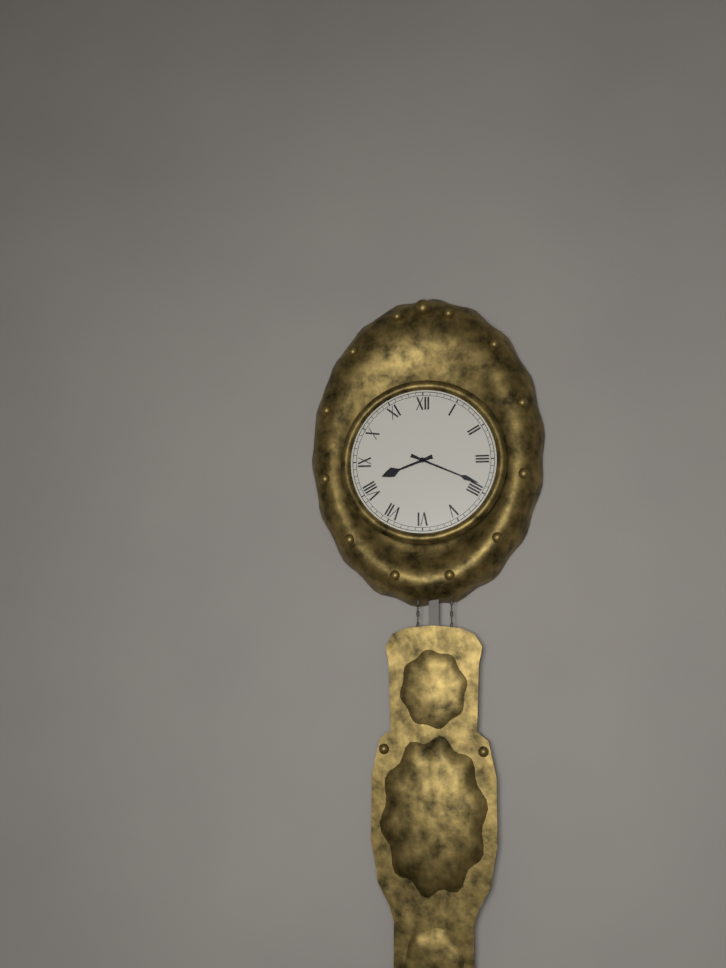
8,19
